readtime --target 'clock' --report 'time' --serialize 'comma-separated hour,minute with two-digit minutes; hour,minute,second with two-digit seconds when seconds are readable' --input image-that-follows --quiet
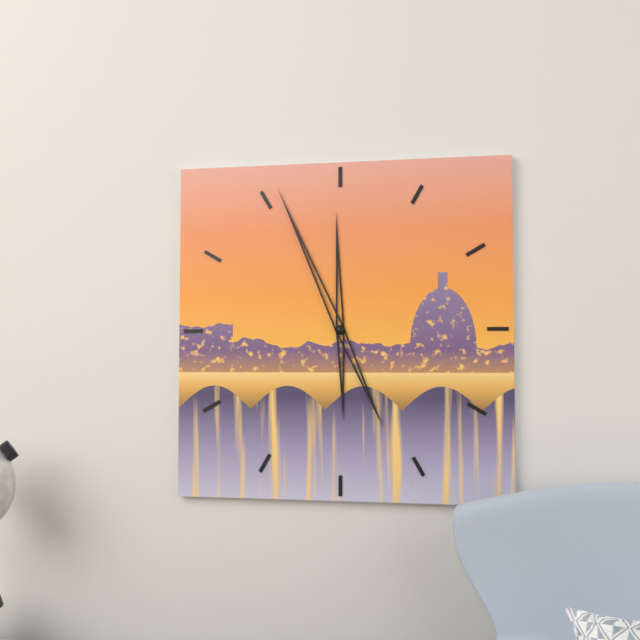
11,56
